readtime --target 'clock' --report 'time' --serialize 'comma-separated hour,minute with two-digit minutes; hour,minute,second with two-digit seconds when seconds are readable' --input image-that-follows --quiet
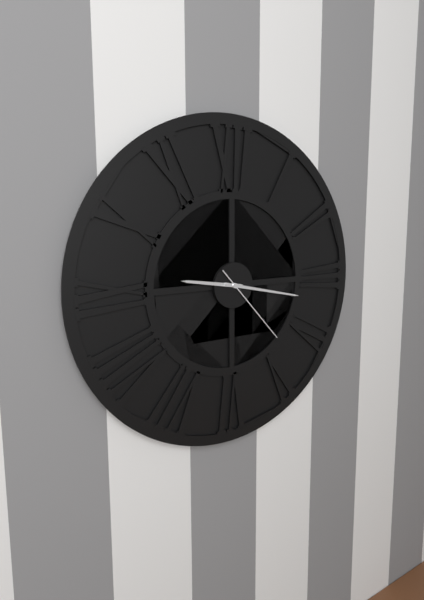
9,17,23
